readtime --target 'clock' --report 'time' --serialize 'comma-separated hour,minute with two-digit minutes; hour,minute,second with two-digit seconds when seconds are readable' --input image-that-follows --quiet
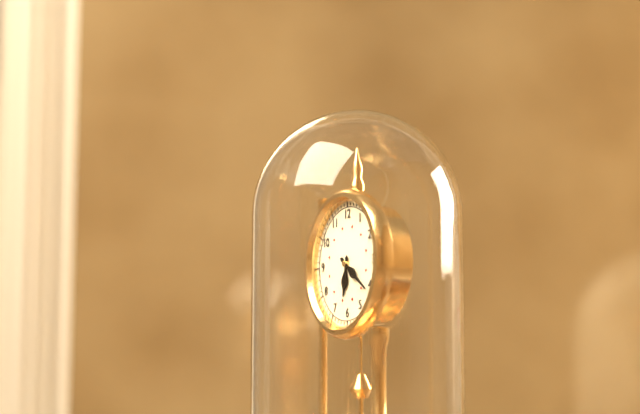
6,21
